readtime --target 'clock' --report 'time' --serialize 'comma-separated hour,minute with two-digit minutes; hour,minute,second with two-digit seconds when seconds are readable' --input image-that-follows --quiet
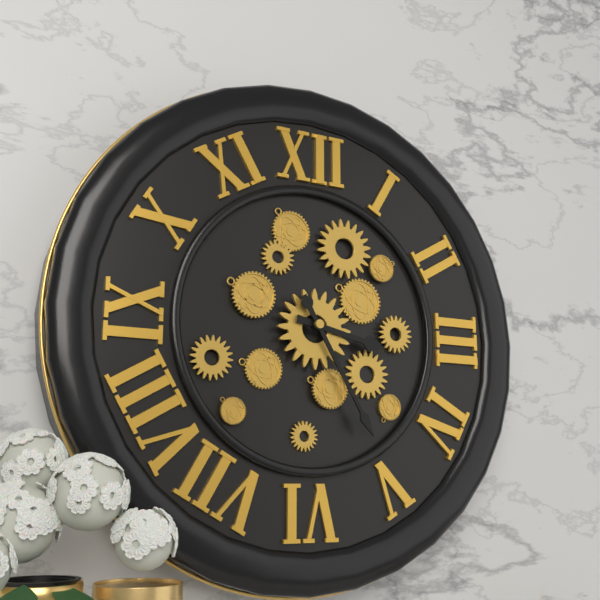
3,25
